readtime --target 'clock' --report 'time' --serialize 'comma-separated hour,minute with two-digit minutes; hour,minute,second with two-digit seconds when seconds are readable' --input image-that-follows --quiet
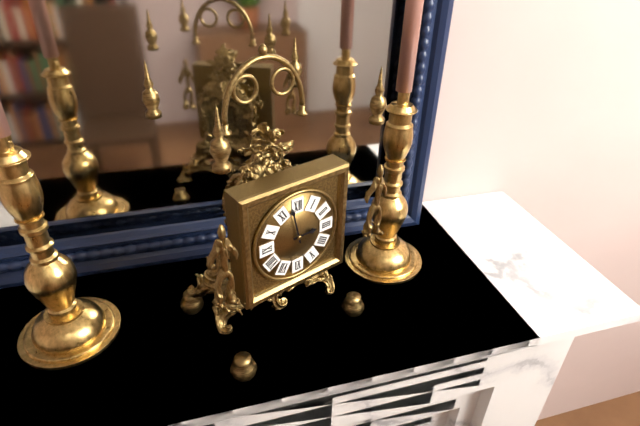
2,58
